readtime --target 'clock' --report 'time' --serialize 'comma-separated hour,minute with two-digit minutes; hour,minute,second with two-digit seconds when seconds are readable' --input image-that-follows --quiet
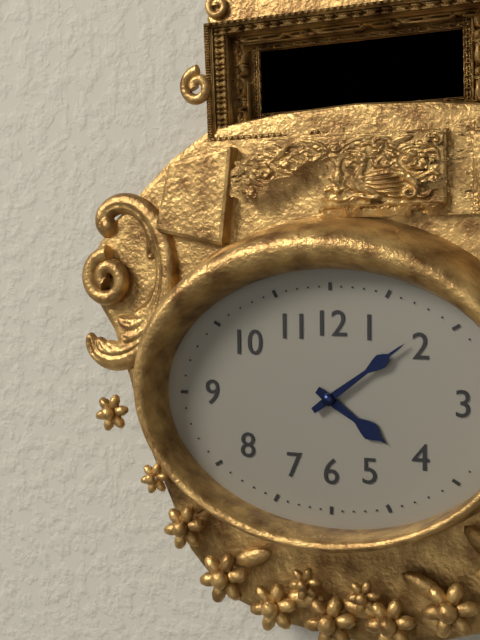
4,09
